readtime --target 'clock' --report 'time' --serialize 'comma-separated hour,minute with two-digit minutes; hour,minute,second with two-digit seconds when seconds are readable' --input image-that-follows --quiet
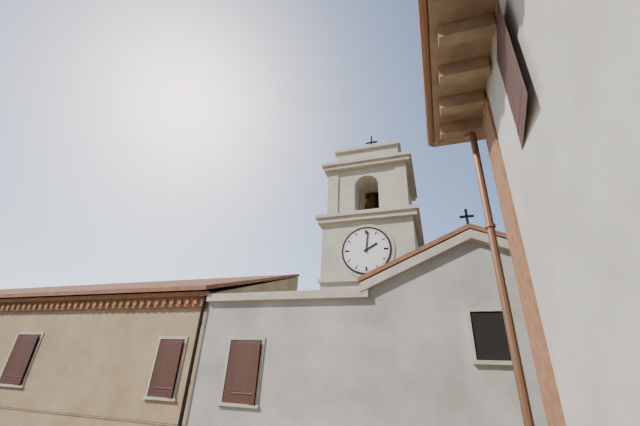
2,01
